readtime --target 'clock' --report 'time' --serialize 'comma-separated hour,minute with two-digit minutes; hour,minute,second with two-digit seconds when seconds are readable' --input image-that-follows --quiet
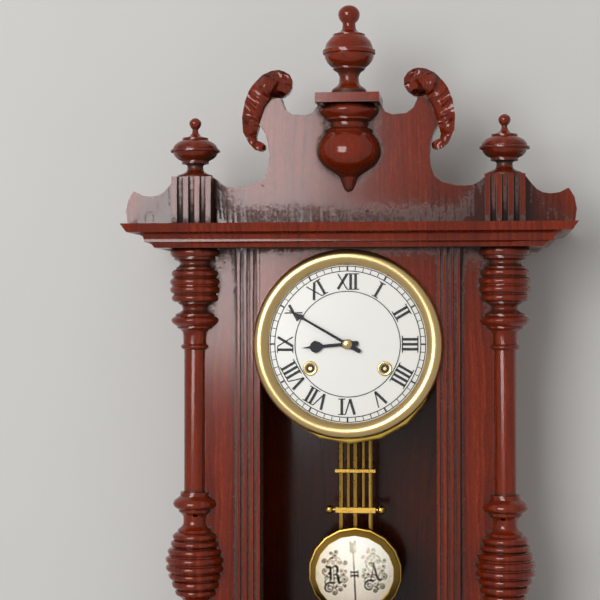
8,50
